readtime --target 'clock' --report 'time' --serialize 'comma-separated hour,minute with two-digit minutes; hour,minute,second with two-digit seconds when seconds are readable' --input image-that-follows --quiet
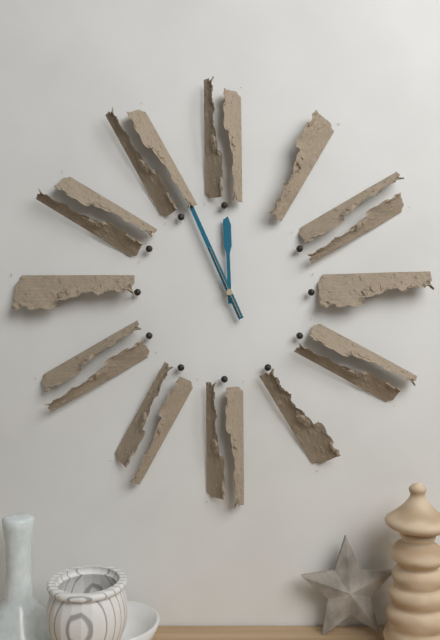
11,56,56
